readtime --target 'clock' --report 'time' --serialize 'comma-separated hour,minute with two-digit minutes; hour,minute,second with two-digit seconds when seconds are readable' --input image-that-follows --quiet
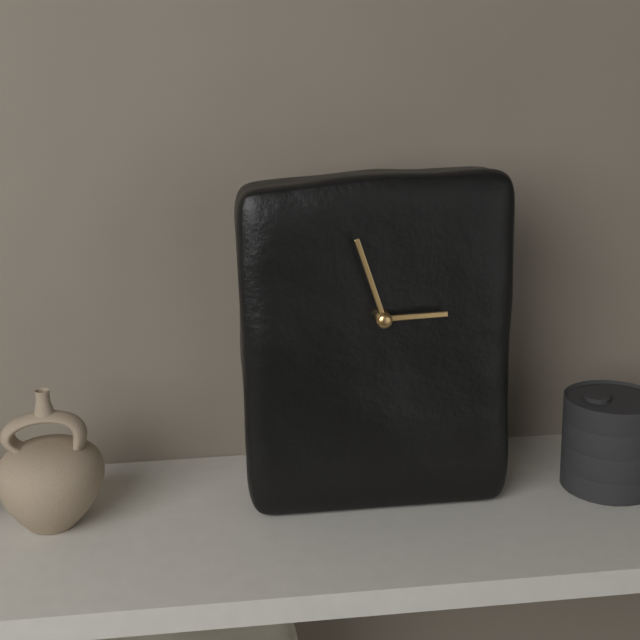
2,57
